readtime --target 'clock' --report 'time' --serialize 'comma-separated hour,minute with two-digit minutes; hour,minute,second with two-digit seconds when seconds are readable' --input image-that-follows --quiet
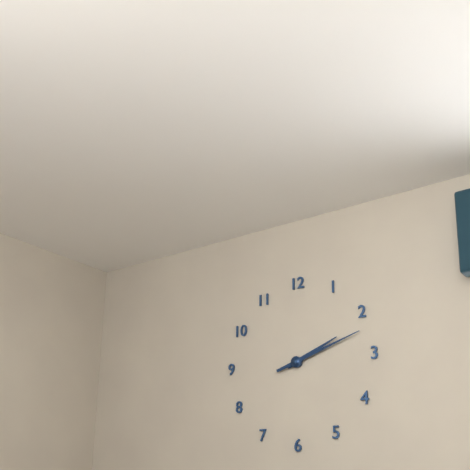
2,12
